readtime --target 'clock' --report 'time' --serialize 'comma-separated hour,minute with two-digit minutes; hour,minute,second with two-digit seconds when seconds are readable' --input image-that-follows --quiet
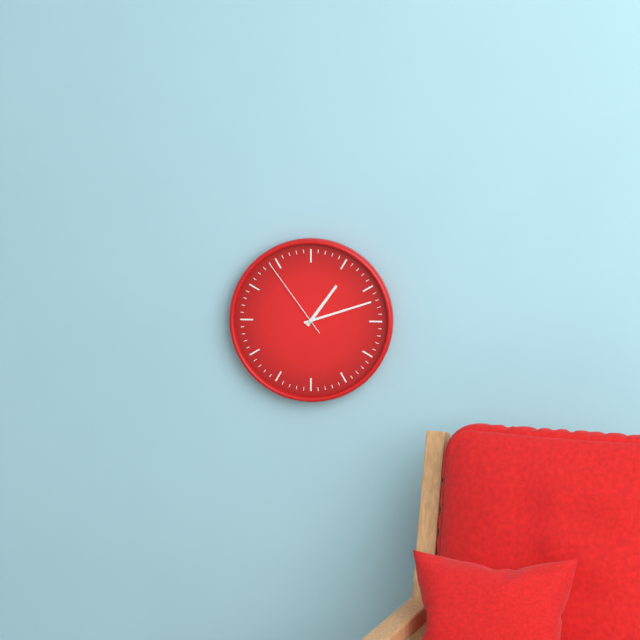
1,12,54
